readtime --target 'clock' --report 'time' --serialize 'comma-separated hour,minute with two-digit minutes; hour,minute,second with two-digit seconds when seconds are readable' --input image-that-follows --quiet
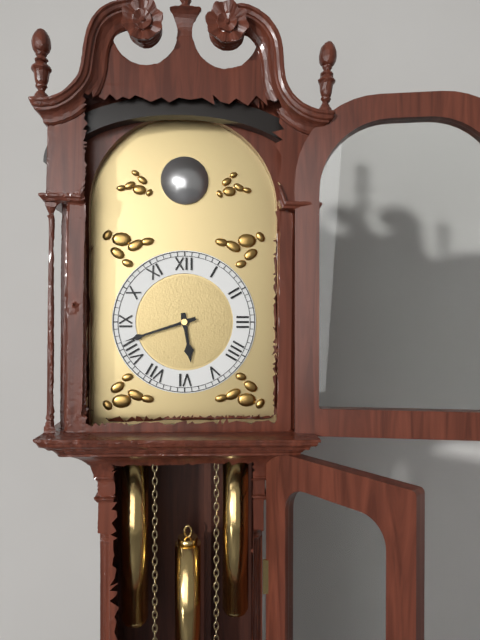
5,42
